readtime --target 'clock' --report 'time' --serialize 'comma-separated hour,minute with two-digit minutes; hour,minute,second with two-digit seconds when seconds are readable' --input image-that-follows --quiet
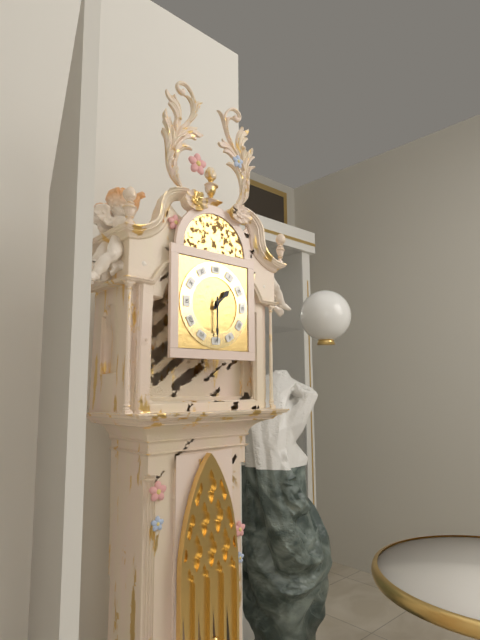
1,30
